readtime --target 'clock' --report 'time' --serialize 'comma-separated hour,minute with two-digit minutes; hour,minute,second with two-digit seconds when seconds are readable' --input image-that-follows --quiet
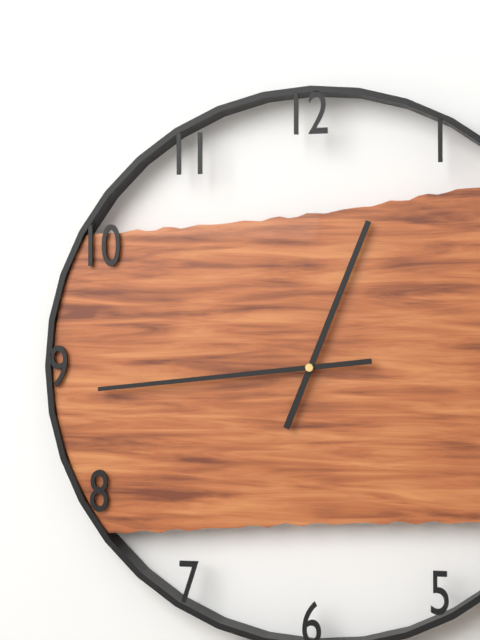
12,44
